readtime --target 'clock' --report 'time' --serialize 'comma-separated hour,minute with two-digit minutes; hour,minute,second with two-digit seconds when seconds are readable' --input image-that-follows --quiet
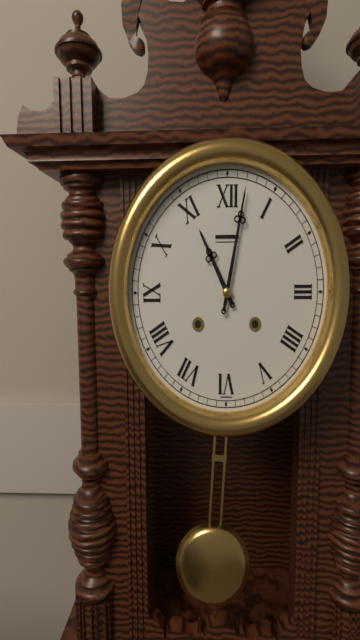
11,02
